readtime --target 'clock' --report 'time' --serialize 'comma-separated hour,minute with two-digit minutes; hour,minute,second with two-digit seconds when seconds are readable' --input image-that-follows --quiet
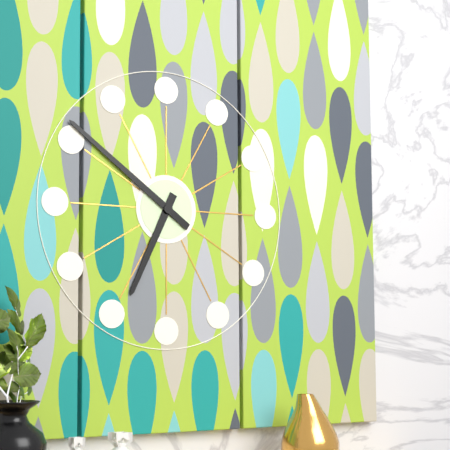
6,51
